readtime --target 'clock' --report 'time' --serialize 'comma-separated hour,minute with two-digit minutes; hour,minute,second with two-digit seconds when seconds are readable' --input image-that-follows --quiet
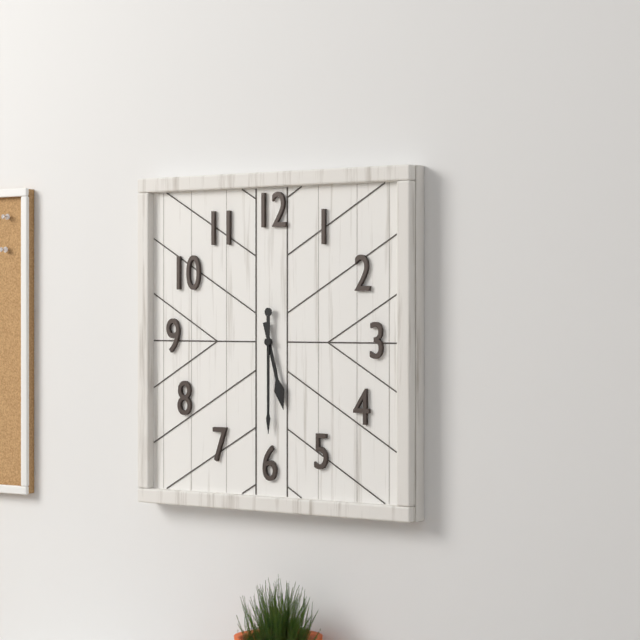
5,30
